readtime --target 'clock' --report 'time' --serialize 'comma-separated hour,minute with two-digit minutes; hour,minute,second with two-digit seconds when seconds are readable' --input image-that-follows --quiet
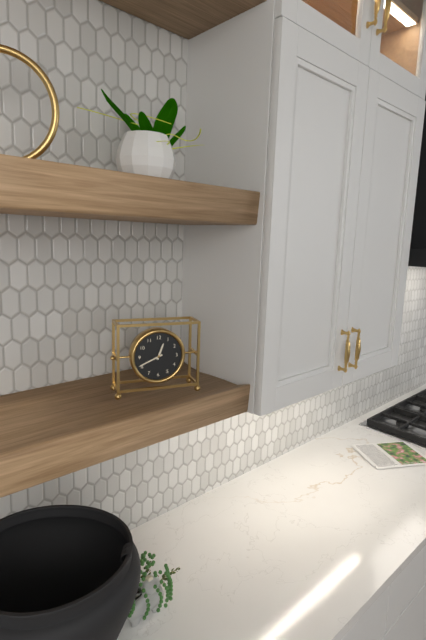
12,41
